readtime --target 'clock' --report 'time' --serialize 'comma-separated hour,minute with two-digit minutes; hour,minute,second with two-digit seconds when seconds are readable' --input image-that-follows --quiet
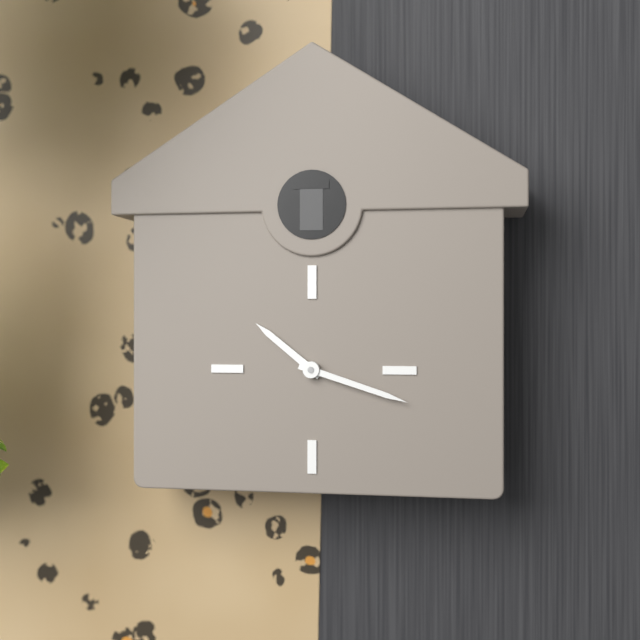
10,18
